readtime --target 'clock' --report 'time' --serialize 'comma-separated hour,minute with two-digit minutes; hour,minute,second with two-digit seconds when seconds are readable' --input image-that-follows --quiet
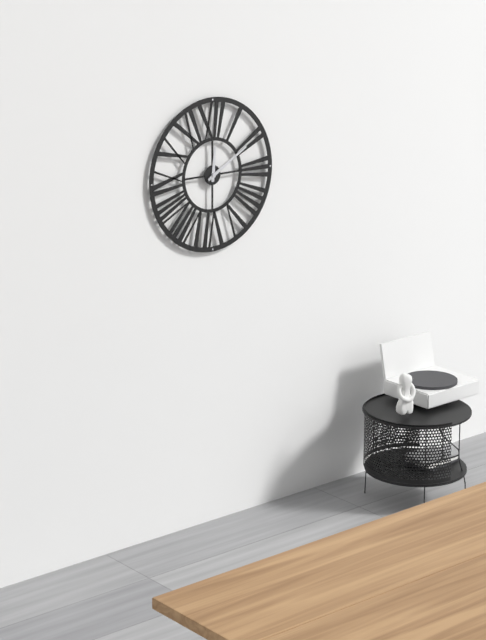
12,10
